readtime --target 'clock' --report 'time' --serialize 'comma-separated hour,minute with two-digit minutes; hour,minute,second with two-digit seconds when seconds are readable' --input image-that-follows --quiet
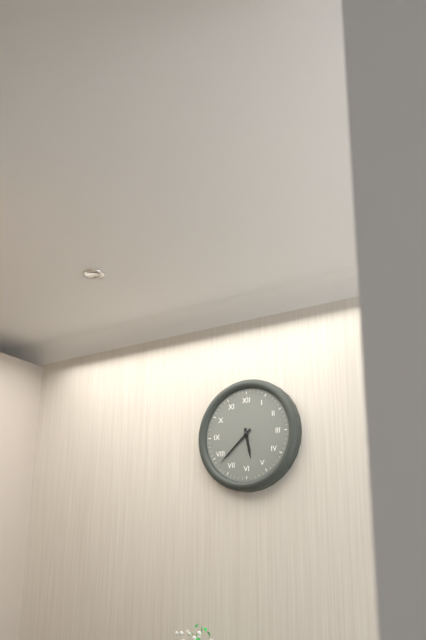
5,38
